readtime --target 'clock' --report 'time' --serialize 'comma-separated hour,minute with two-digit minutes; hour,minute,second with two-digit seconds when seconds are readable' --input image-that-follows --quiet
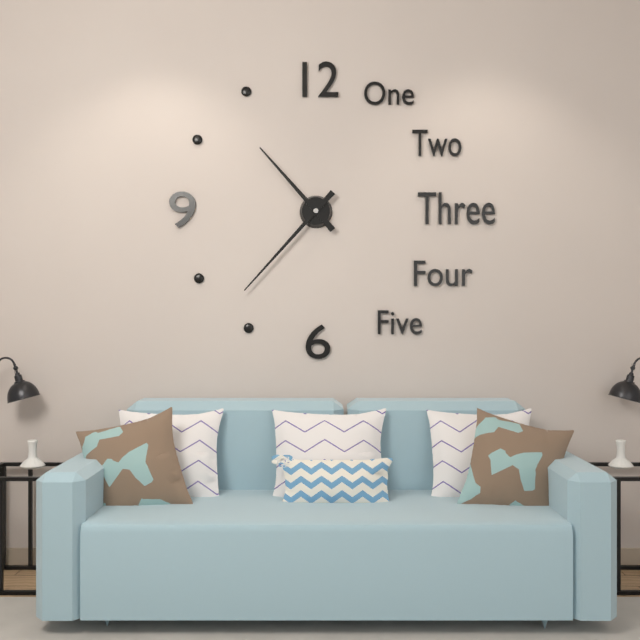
10,37
